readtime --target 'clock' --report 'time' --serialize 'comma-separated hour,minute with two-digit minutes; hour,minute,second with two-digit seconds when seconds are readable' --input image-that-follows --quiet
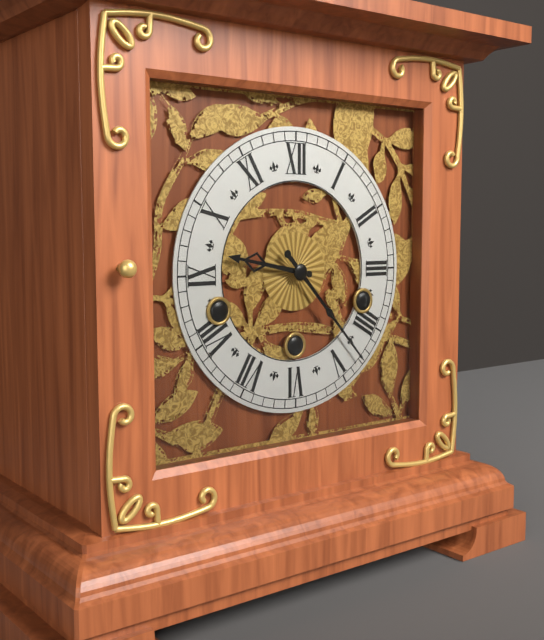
9,23
